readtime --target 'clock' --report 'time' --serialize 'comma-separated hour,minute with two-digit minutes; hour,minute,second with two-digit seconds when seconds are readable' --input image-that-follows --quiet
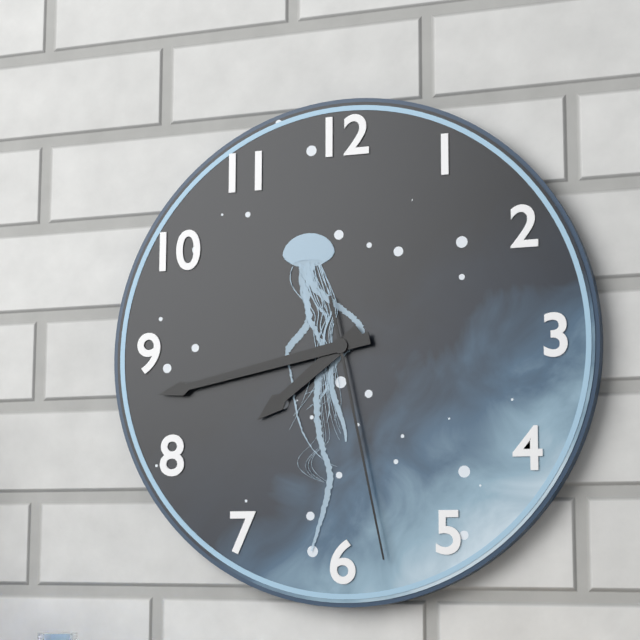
7,43,28
